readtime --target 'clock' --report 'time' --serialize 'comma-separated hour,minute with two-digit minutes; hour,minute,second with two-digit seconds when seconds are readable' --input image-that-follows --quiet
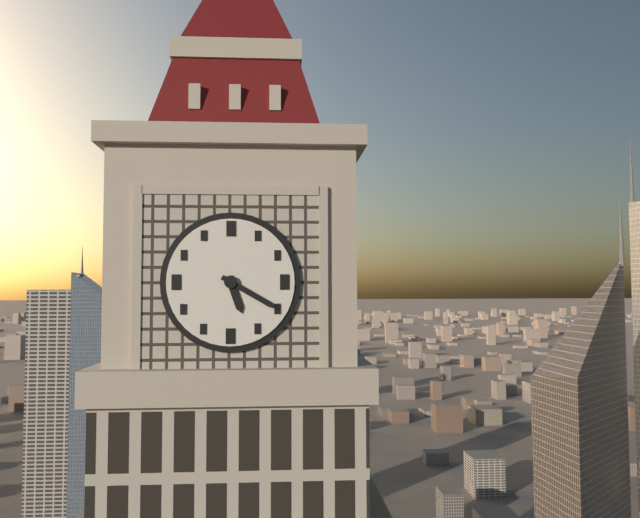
5,20
